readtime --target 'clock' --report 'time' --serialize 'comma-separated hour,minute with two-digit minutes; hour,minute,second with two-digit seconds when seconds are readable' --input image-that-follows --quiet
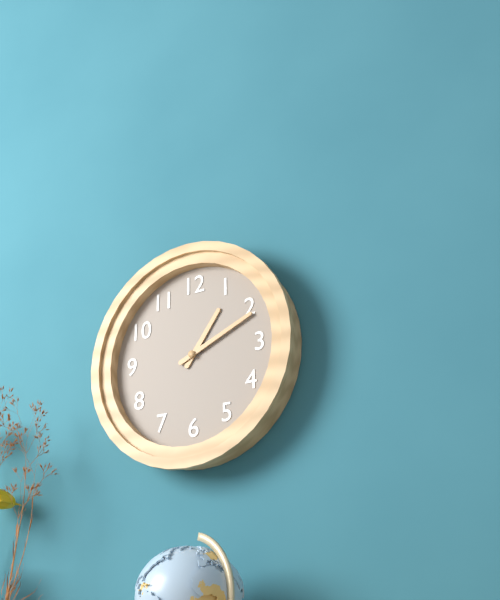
1,11
